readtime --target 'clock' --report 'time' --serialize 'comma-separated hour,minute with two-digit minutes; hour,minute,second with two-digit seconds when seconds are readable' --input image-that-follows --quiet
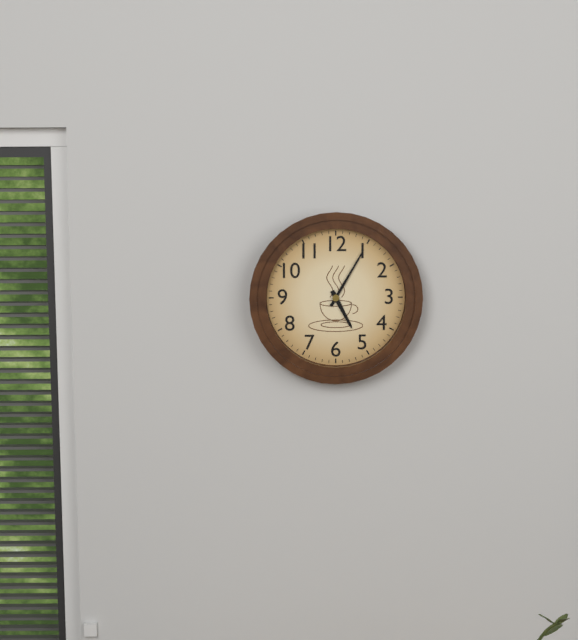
5,05
